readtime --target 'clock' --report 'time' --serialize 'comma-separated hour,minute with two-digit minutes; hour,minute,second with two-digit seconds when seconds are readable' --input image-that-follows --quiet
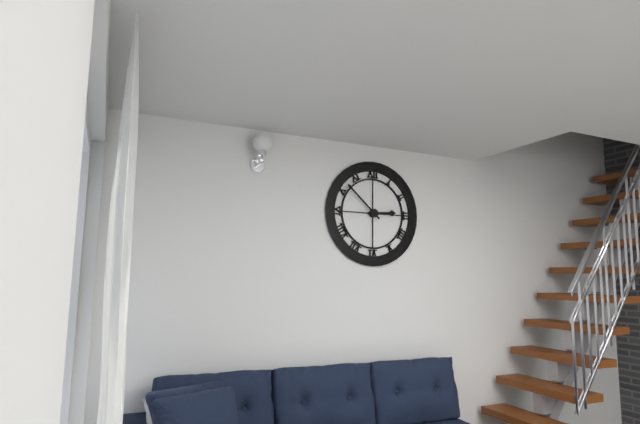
2,52
